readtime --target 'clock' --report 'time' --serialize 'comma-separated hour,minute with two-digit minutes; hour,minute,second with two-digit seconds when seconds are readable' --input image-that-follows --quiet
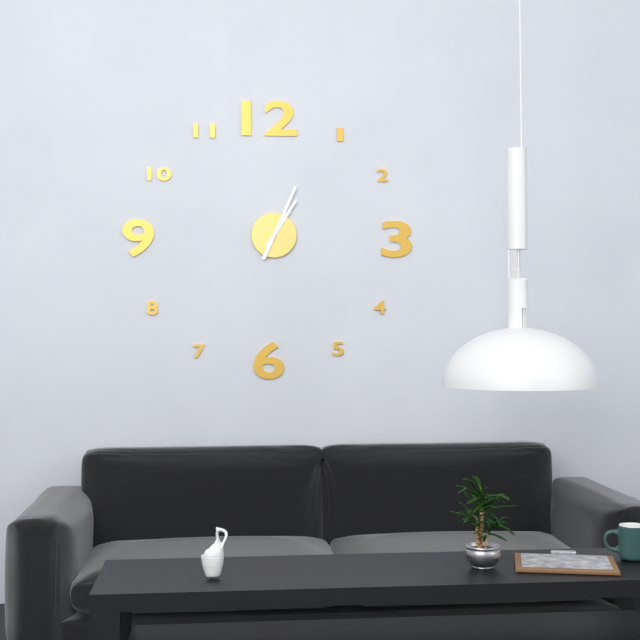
1,04
